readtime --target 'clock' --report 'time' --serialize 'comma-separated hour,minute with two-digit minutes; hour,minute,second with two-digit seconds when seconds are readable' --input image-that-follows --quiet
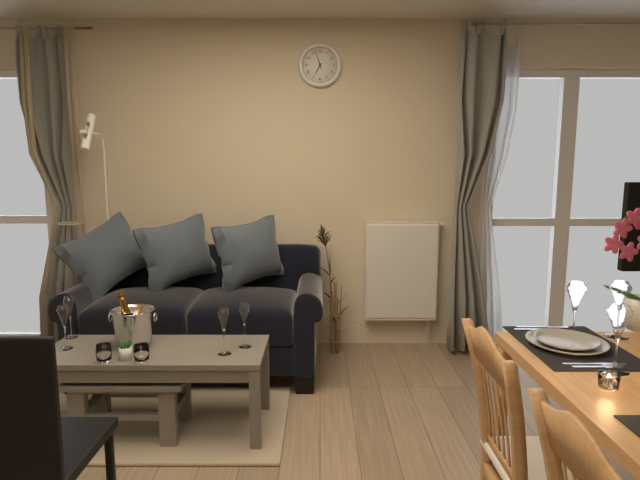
6,57
